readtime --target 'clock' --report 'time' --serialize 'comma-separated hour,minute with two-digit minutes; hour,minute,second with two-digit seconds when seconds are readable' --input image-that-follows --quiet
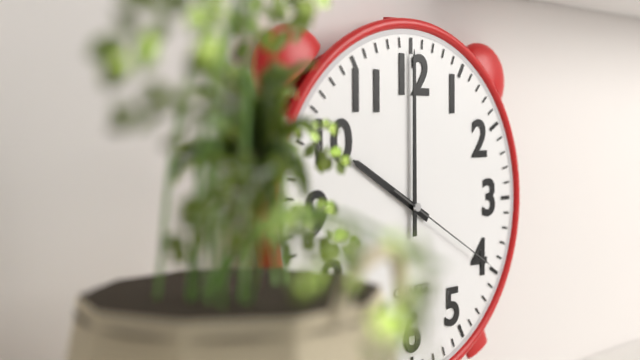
10,00,20
